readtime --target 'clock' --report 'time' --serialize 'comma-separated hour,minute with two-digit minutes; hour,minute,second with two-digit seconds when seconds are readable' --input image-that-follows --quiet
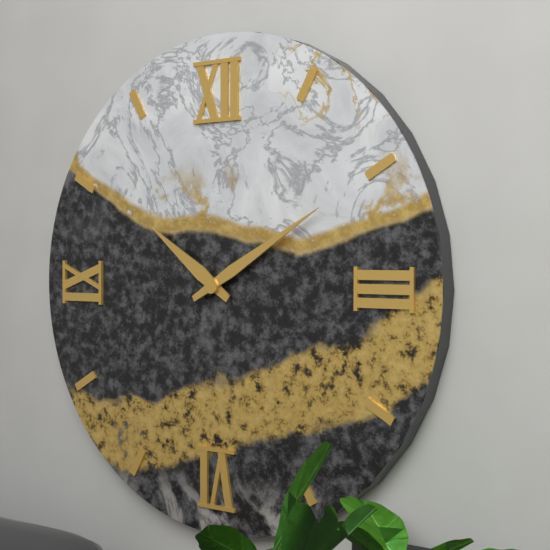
10,10
